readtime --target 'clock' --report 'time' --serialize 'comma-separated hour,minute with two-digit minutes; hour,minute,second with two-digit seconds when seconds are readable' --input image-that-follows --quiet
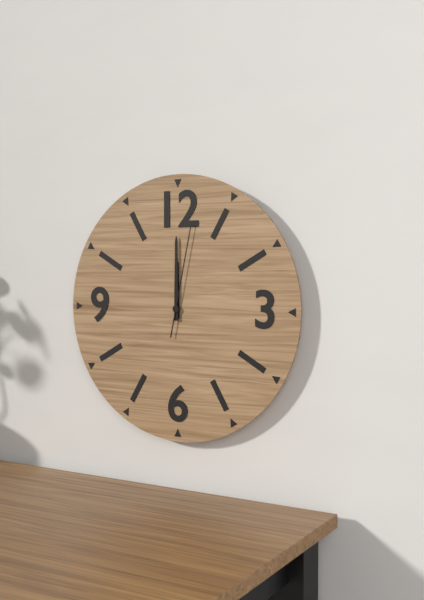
12,00,02
